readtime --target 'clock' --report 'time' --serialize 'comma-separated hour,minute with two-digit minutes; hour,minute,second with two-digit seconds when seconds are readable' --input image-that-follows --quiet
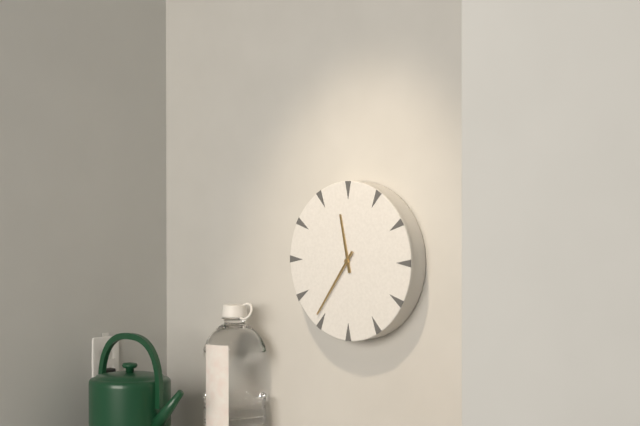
11,36
